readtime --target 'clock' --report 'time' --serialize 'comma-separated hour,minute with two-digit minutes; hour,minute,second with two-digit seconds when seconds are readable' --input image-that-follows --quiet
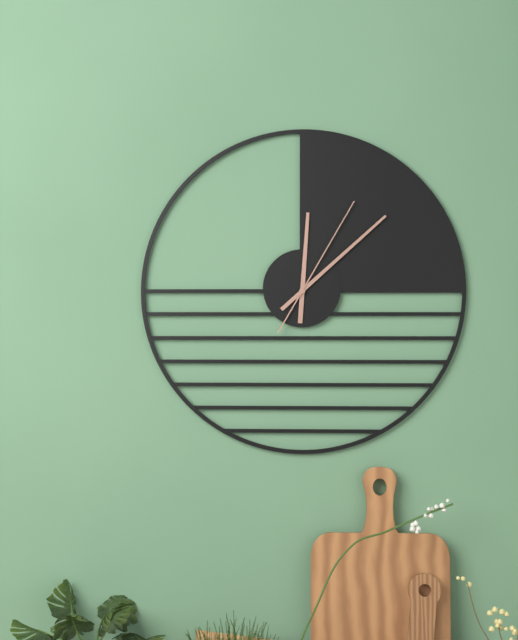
12,08,05
